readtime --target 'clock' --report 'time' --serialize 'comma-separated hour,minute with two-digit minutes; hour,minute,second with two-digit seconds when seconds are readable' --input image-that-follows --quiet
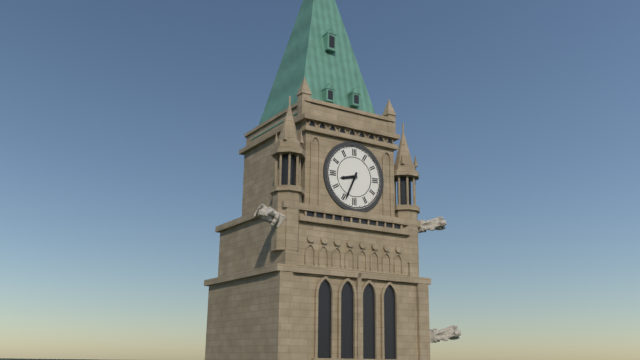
8,34
